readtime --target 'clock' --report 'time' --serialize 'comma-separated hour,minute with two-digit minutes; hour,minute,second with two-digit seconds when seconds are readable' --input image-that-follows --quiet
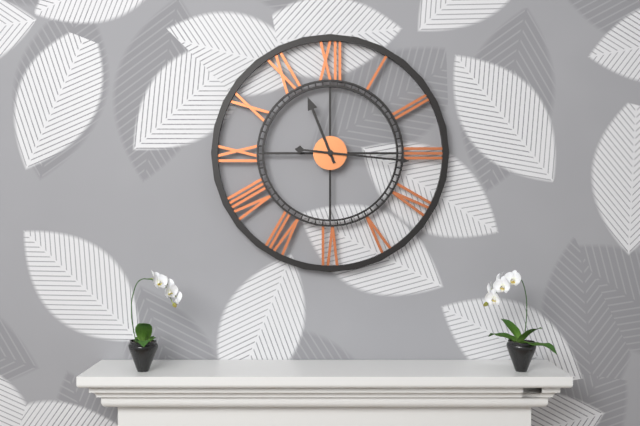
11,16
